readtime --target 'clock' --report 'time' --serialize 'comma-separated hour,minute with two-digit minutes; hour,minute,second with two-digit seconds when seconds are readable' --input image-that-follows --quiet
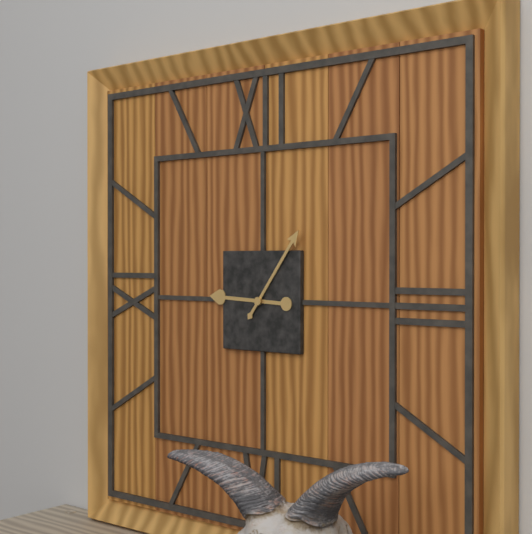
9,06
